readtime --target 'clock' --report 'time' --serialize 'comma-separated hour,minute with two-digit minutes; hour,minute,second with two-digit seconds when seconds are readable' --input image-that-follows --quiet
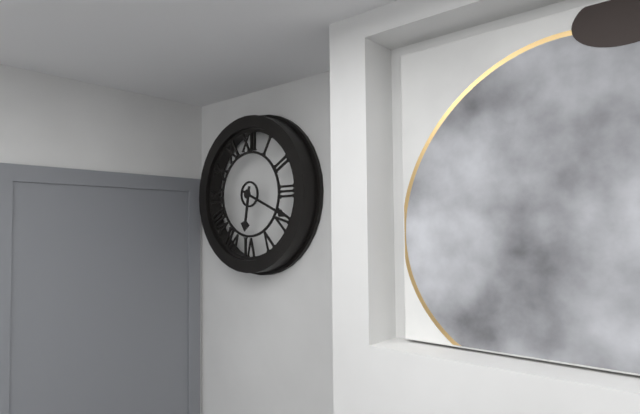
6,19
